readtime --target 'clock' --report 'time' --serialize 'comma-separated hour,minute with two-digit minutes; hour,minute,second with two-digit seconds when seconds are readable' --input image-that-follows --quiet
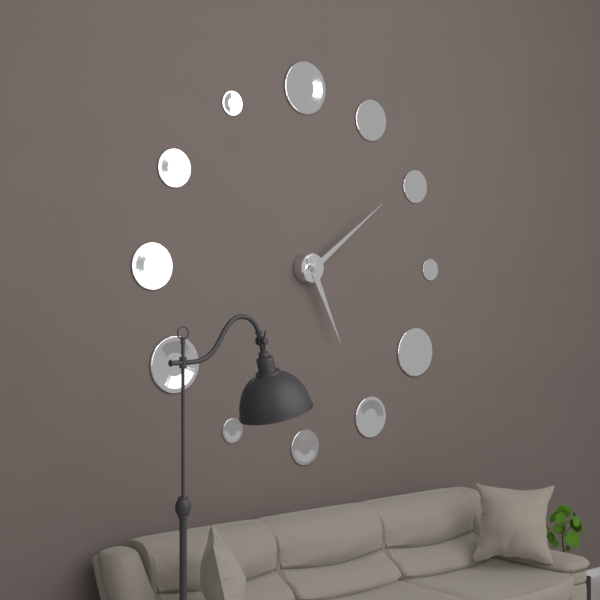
5,09
